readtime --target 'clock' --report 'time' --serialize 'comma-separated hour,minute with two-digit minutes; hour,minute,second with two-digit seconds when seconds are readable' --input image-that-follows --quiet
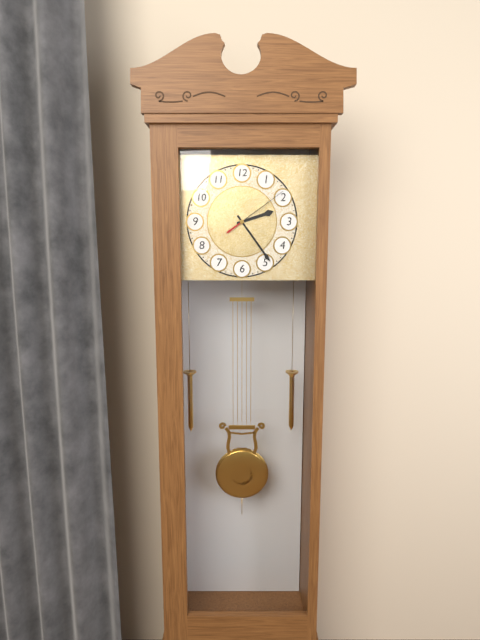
2,24,09
